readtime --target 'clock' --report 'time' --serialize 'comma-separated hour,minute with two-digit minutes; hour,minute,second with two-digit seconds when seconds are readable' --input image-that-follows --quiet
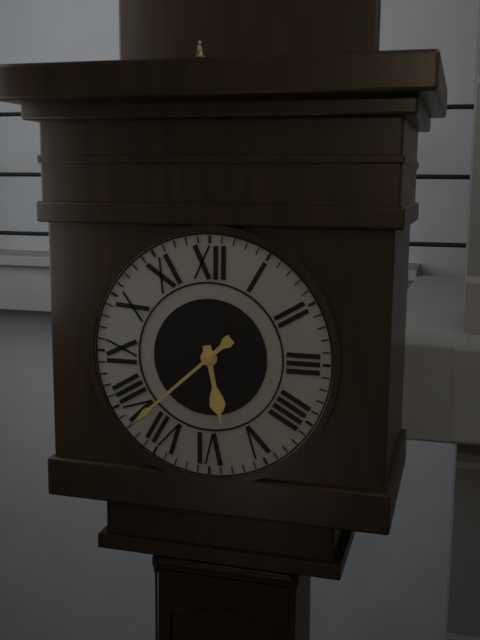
5,38
